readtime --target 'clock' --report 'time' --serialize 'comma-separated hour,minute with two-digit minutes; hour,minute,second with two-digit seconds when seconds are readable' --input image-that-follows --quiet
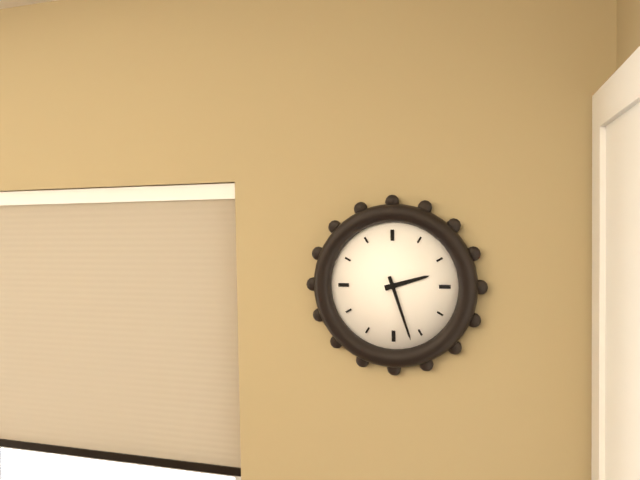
2,27
